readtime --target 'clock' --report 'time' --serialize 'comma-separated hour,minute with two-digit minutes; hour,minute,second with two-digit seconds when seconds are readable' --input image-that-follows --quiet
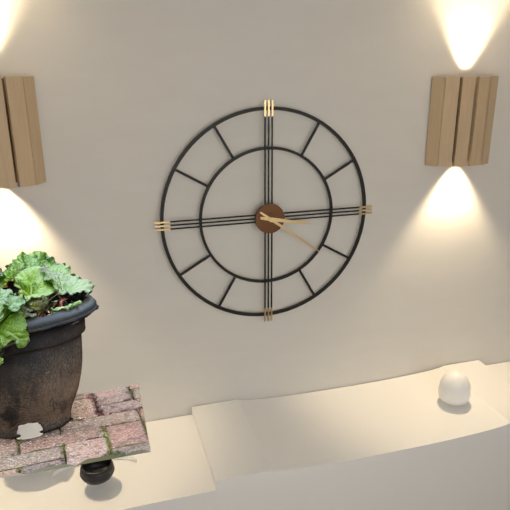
3,21
